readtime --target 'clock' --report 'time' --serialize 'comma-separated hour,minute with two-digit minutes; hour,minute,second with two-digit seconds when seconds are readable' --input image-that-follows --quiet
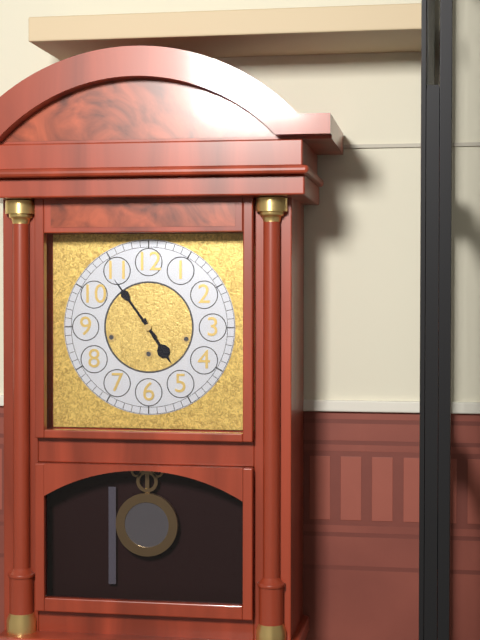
4,54
